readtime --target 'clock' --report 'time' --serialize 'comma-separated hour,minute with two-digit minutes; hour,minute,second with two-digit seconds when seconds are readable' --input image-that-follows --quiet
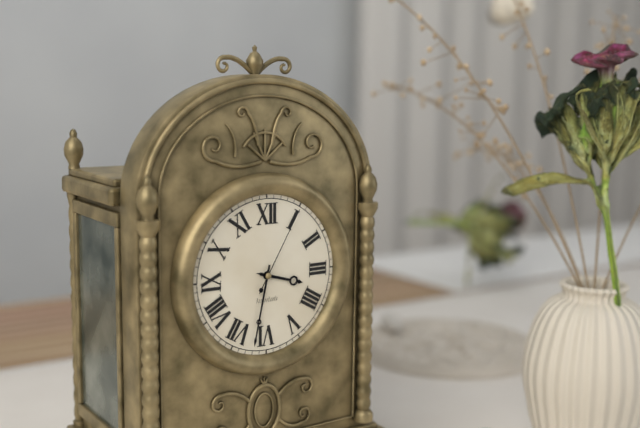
3,32,05
